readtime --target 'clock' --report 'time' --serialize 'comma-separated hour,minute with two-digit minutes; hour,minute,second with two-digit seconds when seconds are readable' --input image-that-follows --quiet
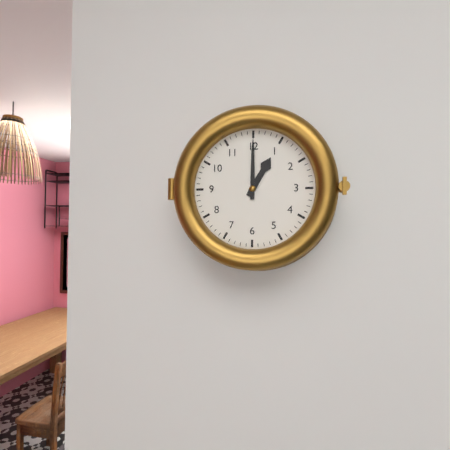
1,00
